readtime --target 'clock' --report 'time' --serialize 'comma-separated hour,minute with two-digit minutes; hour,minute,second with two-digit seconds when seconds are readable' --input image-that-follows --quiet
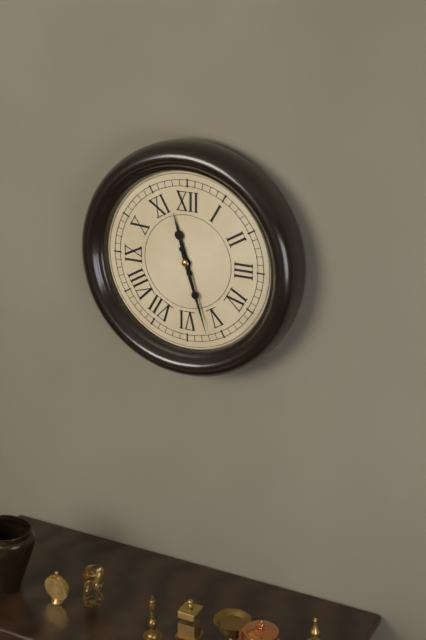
11,27
